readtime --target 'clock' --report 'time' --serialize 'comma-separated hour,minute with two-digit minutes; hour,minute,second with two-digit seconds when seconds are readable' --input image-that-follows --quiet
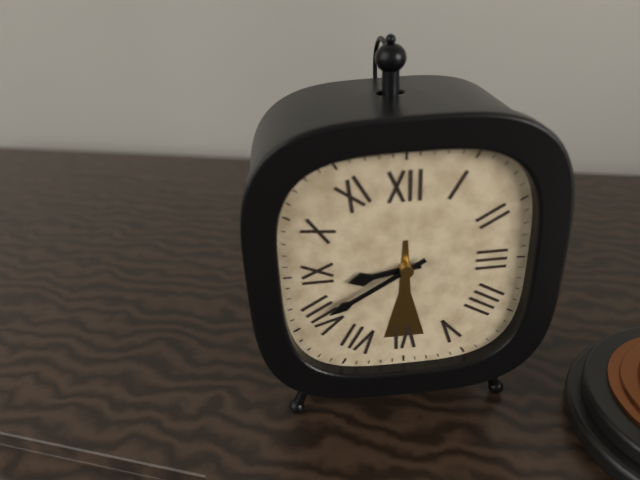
8,40
